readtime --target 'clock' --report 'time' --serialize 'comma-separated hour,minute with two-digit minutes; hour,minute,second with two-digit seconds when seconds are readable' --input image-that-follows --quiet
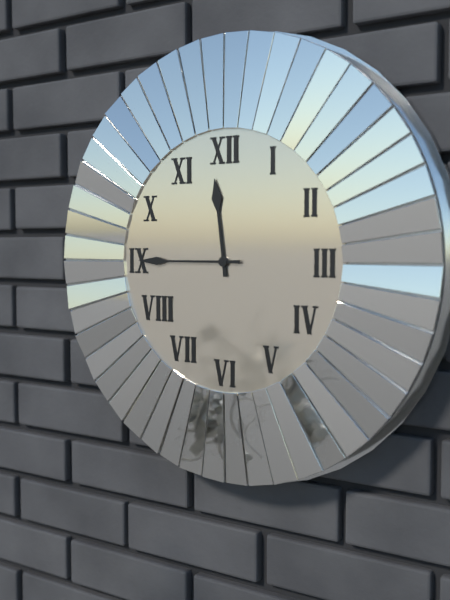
11,45
